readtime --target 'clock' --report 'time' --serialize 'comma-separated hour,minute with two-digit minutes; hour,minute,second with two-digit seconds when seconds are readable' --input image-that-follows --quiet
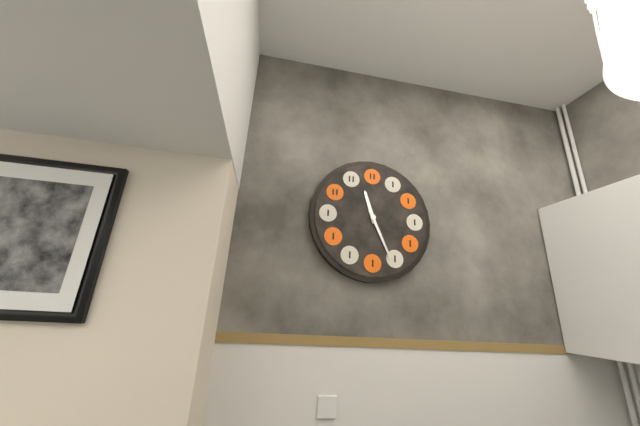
11,26
